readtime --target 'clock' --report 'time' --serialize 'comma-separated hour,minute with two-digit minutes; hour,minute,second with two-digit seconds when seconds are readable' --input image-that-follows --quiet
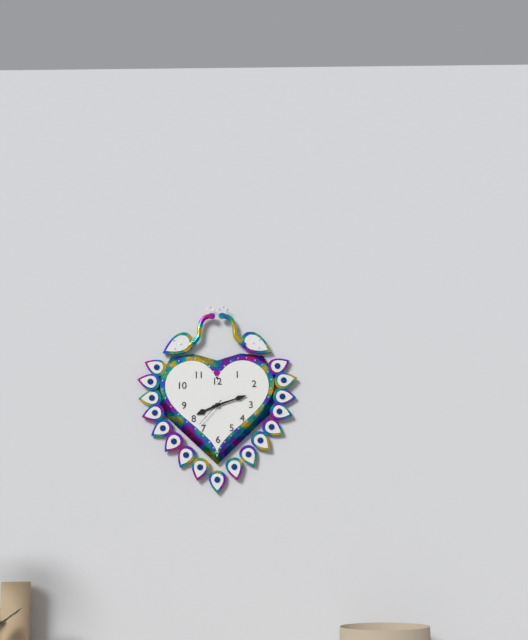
8,12
